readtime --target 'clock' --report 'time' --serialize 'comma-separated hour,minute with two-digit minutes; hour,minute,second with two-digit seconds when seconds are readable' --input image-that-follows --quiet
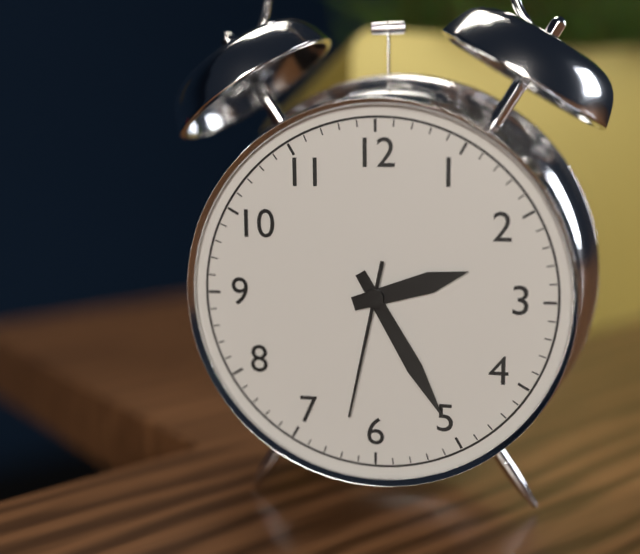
2,25,32
